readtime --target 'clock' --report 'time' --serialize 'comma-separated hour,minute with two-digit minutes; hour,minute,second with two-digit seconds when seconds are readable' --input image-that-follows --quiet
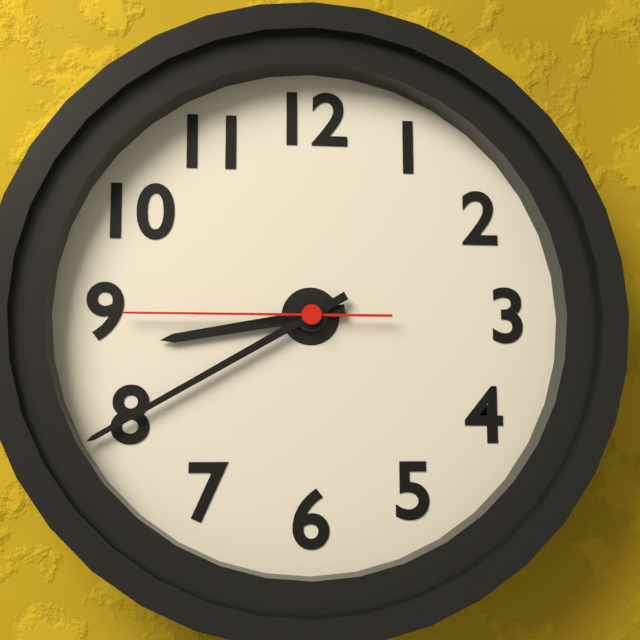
8,40,45
